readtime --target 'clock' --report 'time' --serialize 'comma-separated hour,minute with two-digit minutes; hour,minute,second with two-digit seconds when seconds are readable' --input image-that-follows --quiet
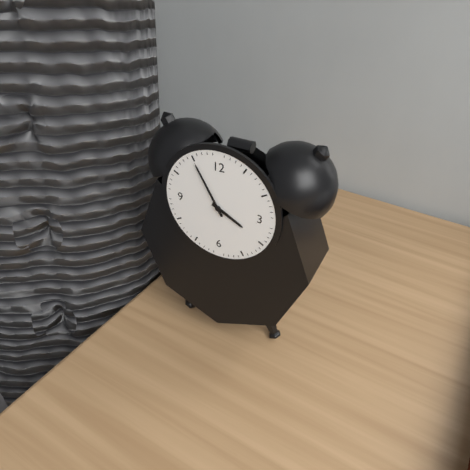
3,55
